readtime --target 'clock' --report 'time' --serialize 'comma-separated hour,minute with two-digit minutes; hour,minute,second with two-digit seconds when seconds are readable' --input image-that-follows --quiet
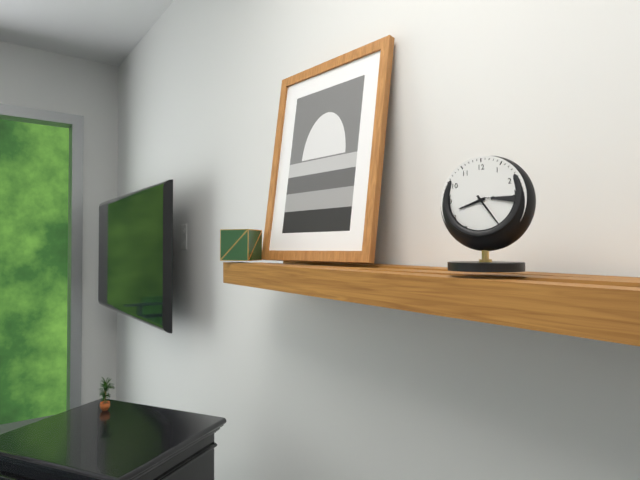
8,24
